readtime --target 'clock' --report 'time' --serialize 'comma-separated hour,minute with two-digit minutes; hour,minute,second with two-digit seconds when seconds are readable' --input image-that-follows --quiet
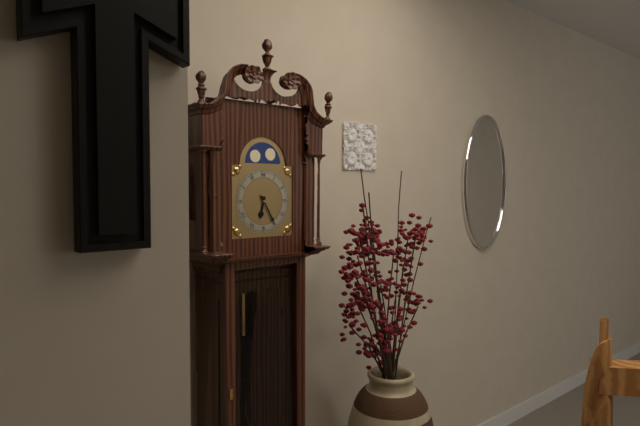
6,25
